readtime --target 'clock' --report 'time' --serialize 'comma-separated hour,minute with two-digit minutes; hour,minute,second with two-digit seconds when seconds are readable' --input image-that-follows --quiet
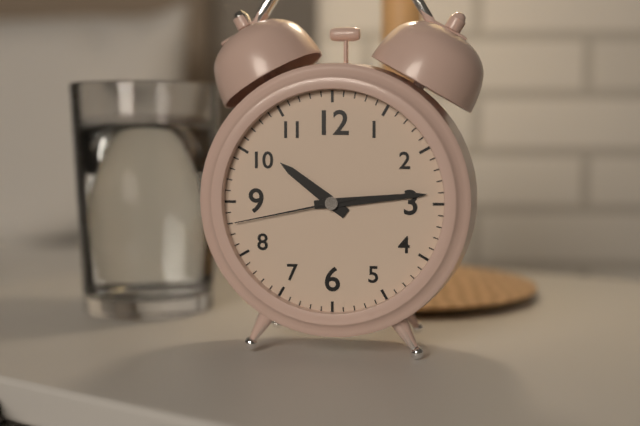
10,14,43
